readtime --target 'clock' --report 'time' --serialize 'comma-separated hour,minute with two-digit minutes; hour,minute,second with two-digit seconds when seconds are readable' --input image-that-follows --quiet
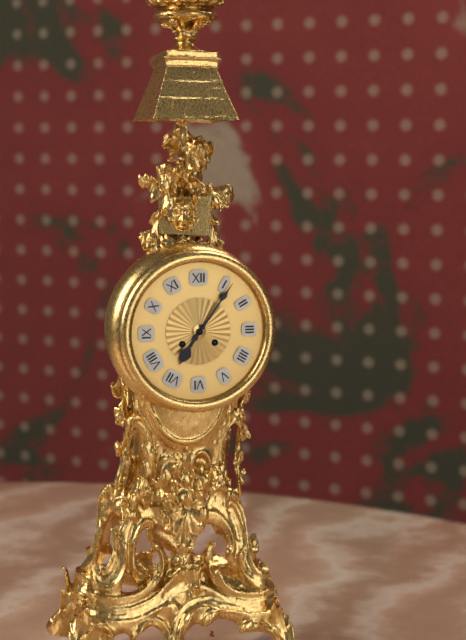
7,06
